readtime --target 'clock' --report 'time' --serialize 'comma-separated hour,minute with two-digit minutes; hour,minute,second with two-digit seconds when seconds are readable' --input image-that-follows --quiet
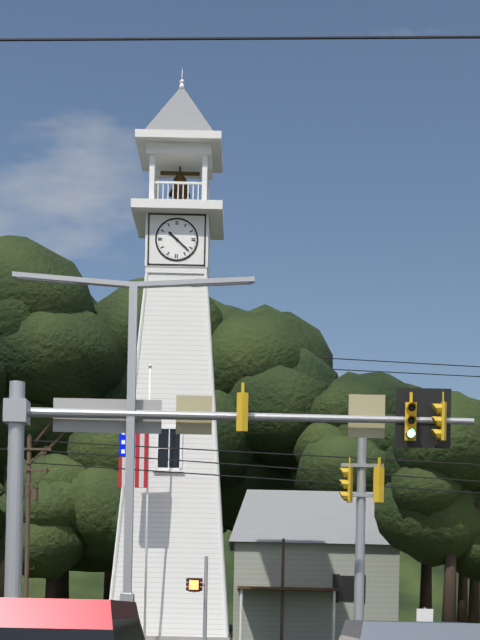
10,22
